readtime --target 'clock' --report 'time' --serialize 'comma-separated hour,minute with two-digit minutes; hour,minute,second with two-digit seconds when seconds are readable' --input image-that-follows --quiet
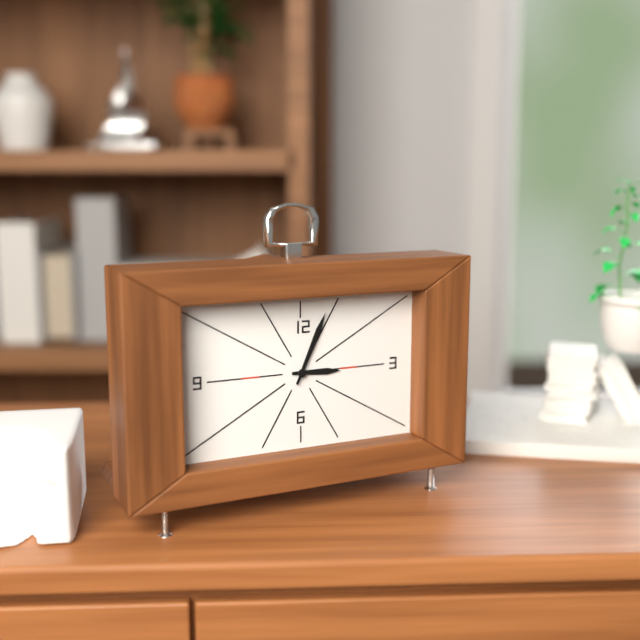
3,04
